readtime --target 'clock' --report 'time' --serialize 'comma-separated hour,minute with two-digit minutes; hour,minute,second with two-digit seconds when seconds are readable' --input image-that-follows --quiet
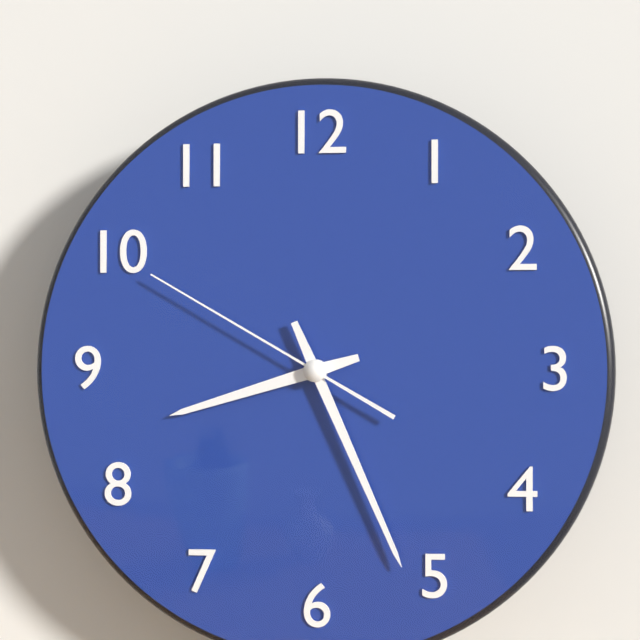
8,26,50
